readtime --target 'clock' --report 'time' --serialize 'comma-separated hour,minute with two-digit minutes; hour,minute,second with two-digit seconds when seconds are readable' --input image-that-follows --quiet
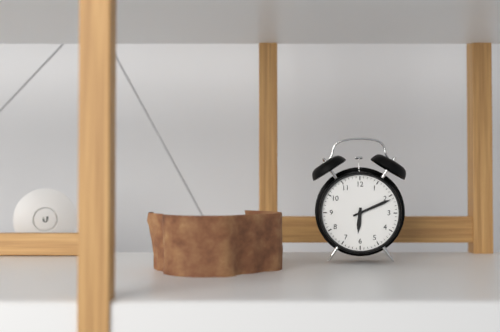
6,11
